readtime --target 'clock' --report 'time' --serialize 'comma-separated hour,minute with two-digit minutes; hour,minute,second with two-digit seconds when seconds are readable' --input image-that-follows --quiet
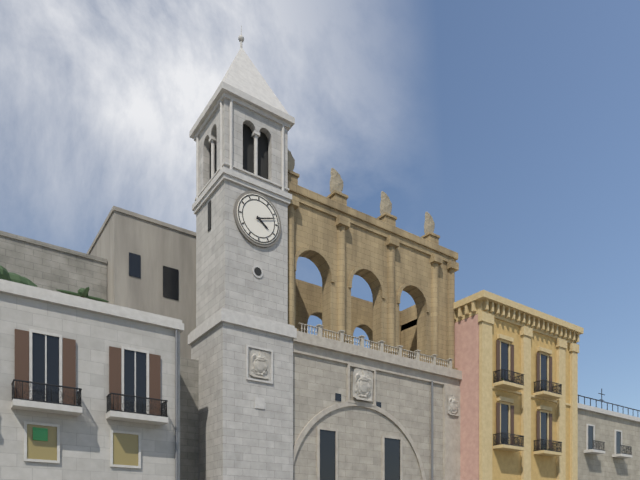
4,12
